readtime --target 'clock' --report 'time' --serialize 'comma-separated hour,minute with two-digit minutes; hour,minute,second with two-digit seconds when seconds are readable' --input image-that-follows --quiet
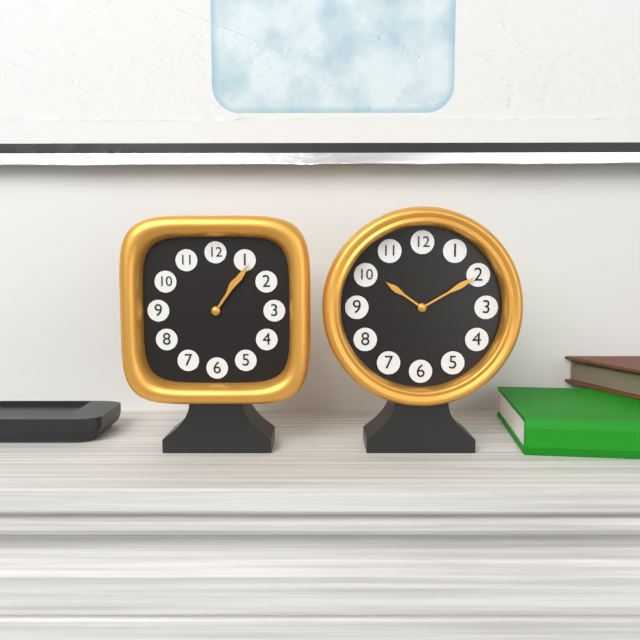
1,06
